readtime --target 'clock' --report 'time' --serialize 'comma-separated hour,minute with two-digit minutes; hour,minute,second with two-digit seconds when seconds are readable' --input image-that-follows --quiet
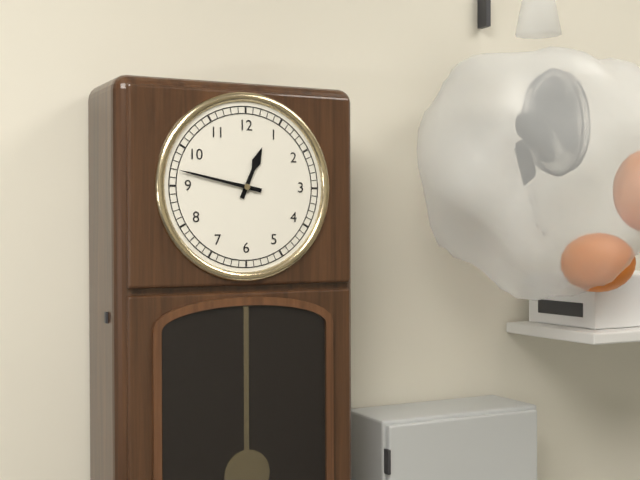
12,47
